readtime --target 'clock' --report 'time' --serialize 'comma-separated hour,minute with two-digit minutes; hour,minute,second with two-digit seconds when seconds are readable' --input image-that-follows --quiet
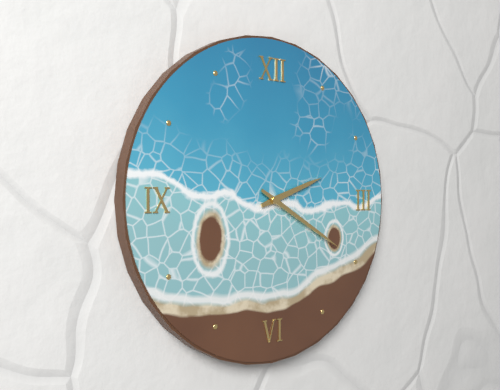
2,20
